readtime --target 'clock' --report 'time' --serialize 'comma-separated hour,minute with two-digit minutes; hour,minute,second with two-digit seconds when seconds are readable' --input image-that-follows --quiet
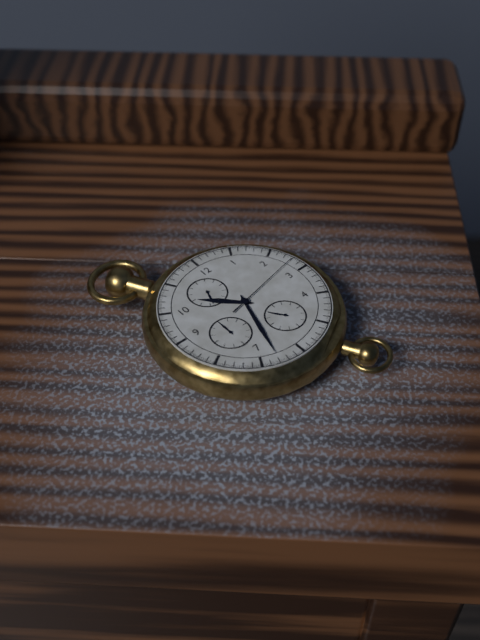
10,33,13
